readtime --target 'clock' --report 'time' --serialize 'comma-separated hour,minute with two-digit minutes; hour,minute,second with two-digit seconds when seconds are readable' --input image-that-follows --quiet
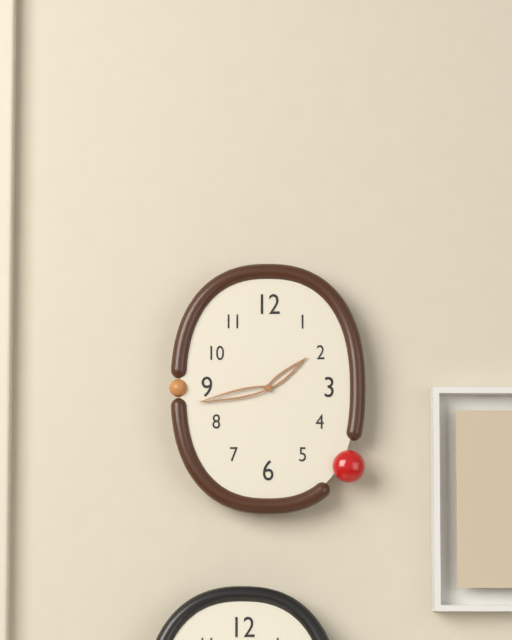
1,43
